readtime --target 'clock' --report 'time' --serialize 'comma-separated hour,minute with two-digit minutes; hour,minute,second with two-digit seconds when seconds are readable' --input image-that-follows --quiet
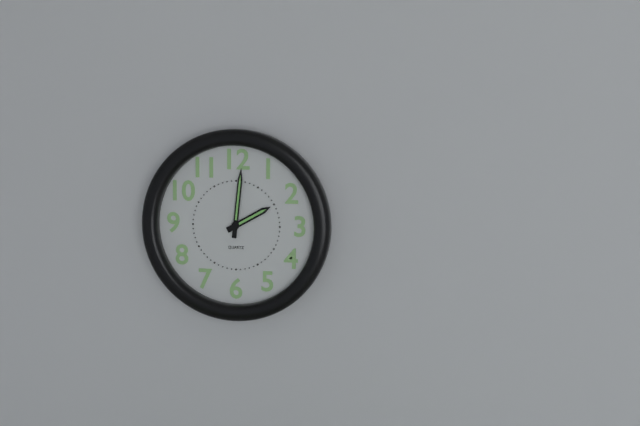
2,01
